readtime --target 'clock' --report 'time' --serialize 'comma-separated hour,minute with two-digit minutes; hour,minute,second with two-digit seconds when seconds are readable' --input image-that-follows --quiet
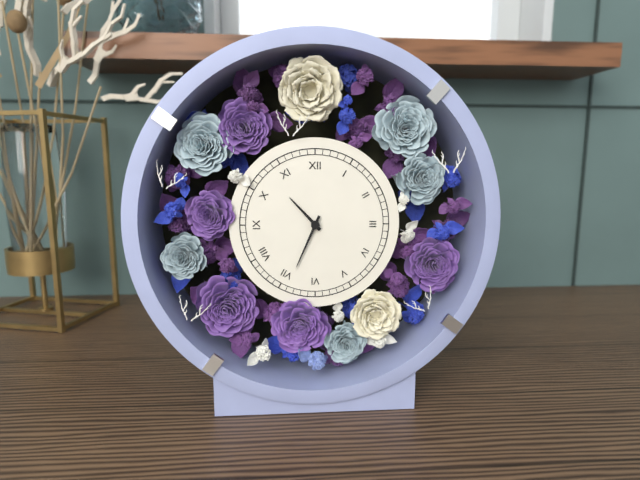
10,34
